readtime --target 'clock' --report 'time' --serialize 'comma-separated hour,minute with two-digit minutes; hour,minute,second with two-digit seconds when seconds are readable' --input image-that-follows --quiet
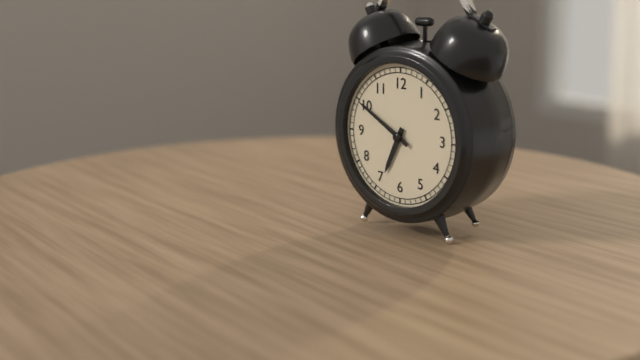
6,50
